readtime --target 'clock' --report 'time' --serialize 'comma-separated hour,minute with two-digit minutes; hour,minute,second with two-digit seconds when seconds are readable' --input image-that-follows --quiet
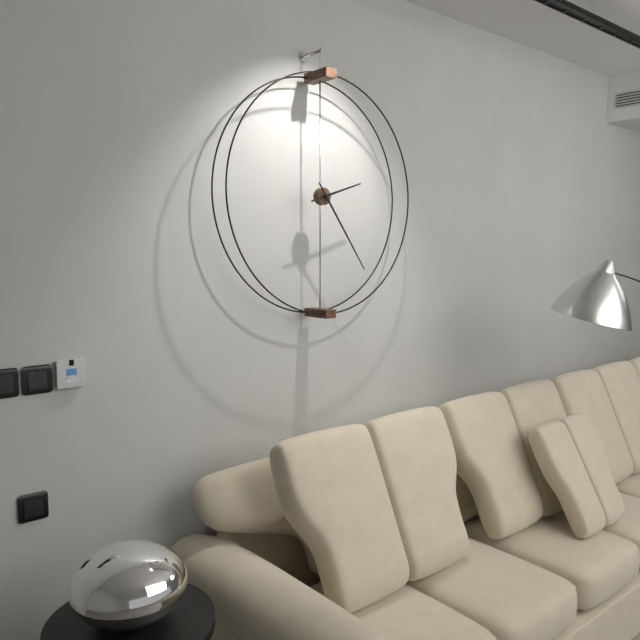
2,24
